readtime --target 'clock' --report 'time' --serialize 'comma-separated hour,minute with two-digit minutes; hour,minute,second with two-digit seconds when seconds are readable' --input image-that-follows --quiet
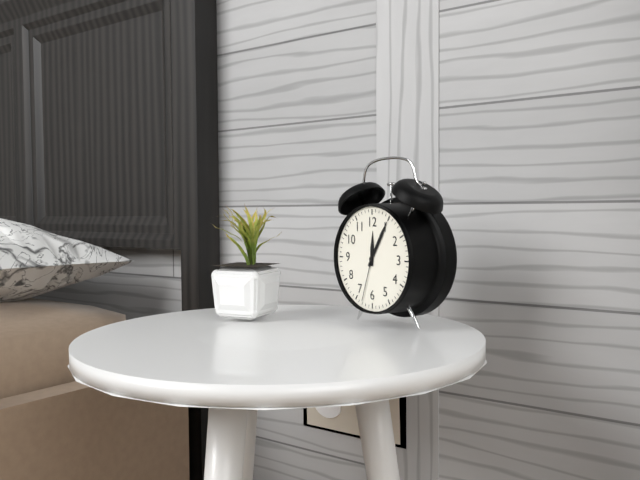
12,05,33
